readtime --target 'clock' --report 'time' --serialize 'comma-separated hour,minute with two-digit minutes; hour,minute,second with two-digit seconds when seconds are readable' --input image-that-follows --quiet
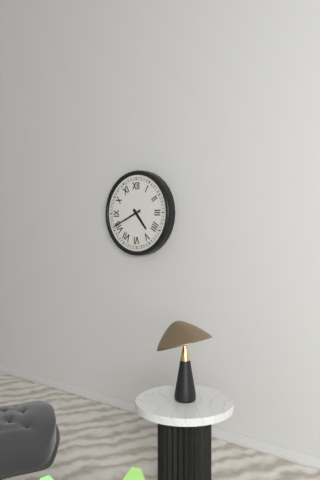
4,41
